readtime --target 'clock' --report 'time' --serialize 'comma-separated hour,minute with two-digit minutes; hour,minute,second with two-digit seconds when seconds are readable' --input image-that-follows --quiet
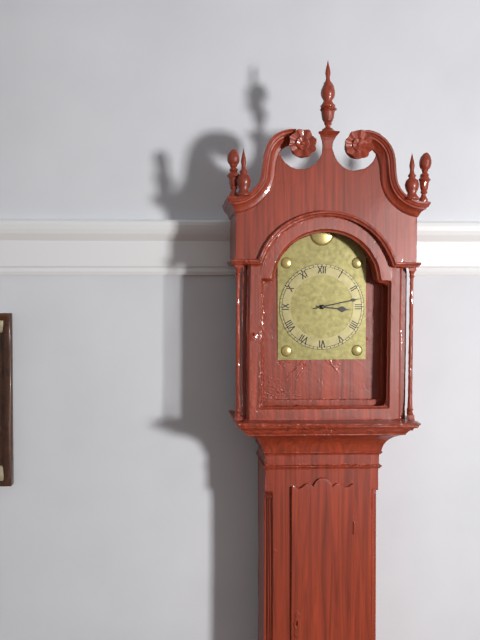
3,13
